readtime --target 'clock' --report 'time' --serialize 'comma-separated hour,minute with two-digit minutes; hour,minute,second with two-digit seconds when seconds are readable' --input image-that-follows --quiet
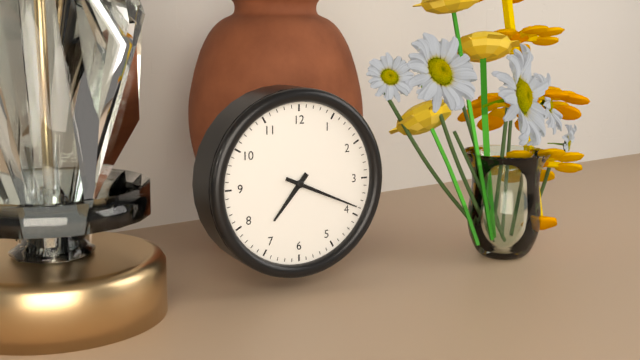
7,19
